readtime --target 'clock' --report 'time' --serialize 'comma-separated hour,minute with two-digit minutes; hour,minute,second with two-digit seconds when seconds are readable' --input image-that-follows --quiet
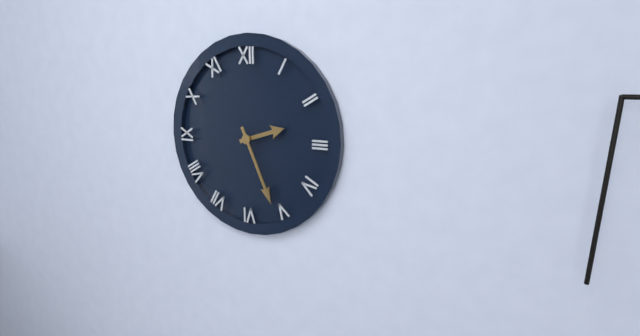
2,26
